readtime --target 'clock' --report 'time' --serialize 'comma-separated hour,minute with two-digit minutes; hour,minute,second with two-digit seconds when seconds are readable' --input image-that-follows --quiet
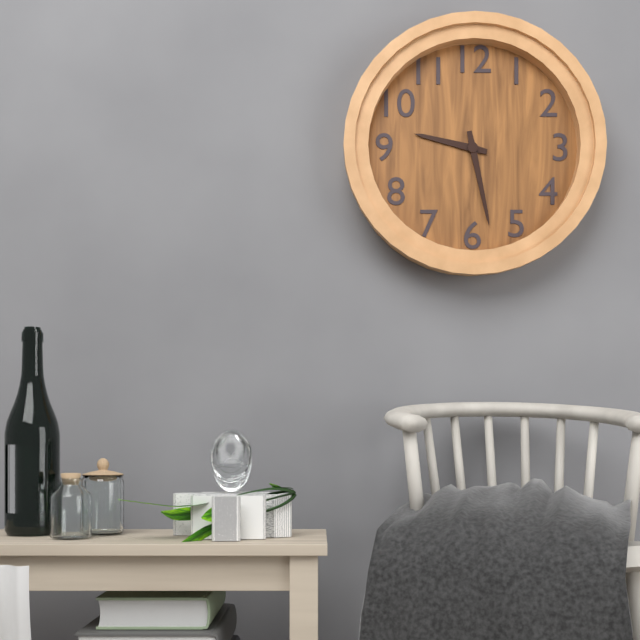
9,28
